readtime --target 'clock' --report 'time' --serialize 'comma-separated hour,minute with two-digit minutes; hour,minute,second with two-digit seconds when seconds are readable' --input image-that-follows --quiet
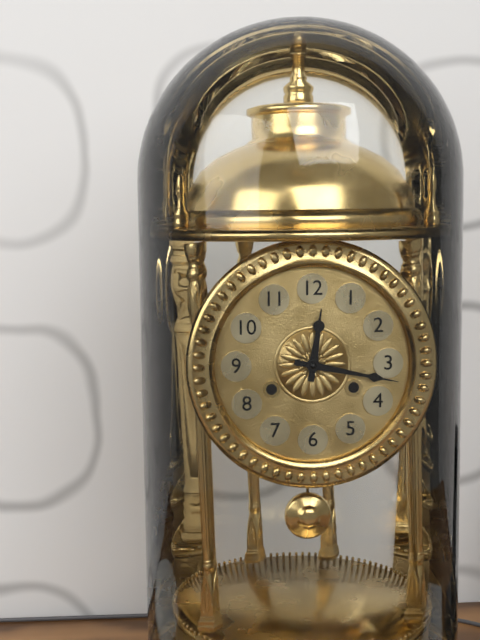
12,17
